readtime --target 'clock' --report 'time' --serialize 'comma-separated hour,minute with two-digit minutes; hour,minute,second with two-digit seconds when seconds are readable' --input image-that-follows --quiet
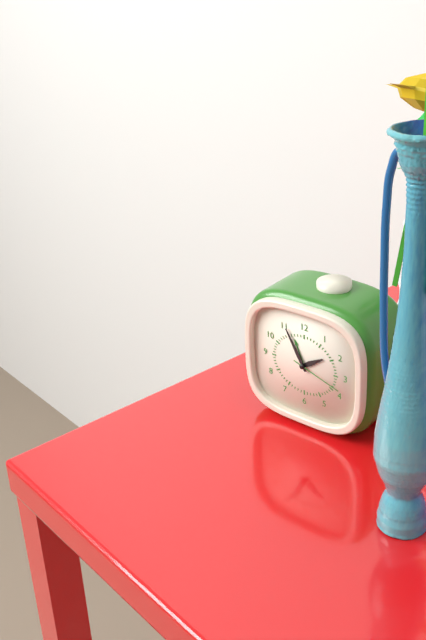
1,55,18
